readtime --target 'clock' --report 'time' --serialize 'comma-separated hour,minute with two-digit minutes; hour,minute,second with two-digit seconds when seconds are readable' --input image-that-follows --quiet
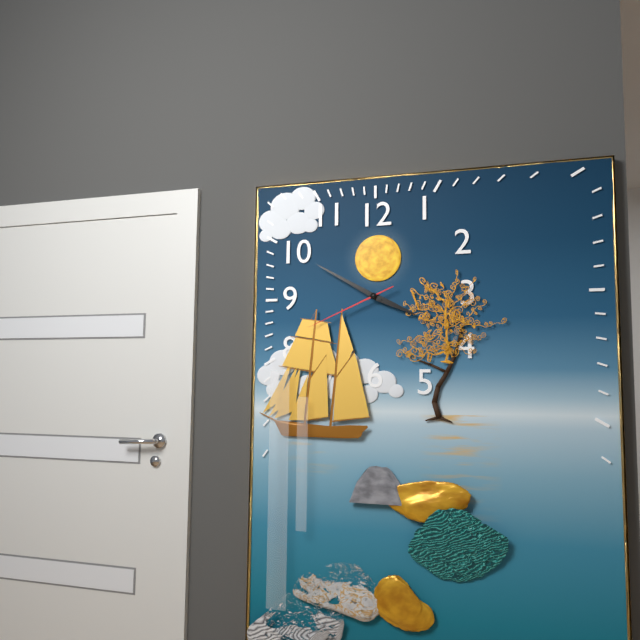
3,50,41
